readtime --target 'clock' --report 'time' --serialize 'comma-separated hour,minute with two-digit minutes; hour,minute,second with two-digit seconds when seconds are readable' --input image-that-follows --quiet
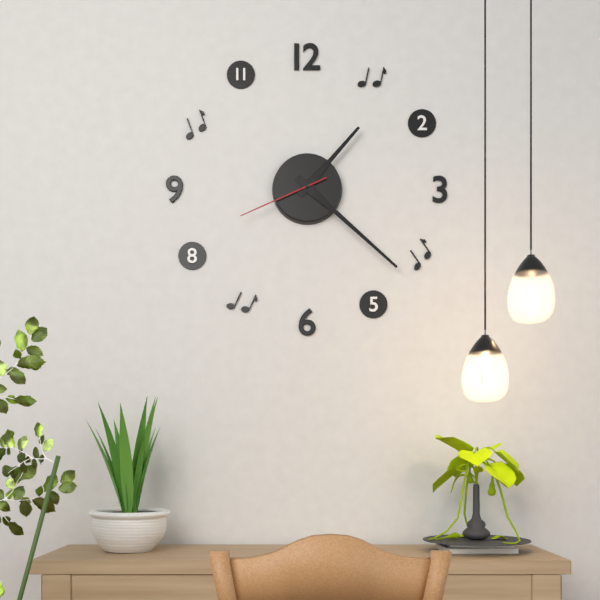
1,22,41
